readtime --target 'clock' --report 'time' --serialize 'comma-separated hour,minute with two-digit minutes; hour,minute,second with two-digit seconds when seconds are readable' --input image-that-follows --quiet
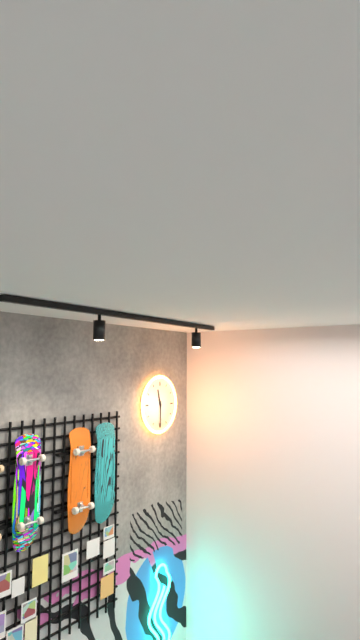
11,30
